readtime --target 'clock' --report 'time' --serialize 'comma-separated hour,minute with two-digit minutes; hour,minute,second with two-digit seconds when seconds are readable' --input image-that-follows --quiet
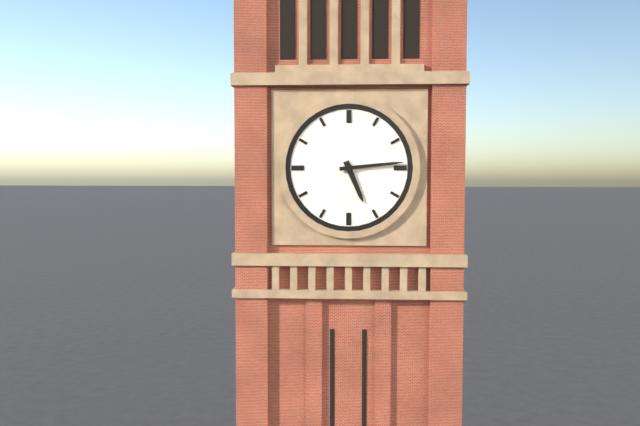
5,14
